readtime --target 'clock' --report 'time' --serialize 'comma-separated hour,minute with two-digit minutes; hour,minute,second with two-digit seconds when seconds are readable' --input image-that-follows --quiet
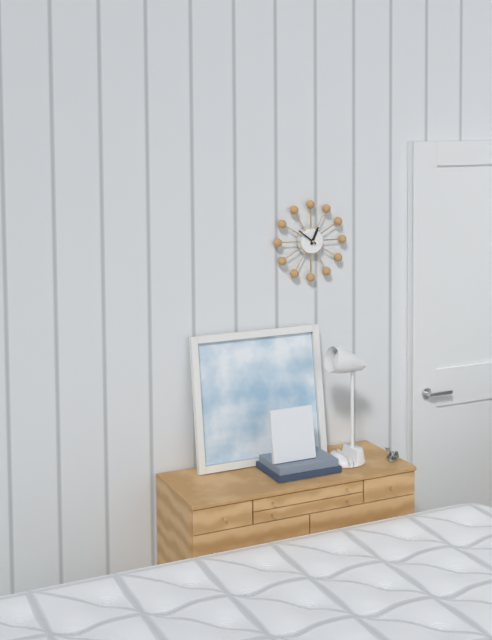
12,51
